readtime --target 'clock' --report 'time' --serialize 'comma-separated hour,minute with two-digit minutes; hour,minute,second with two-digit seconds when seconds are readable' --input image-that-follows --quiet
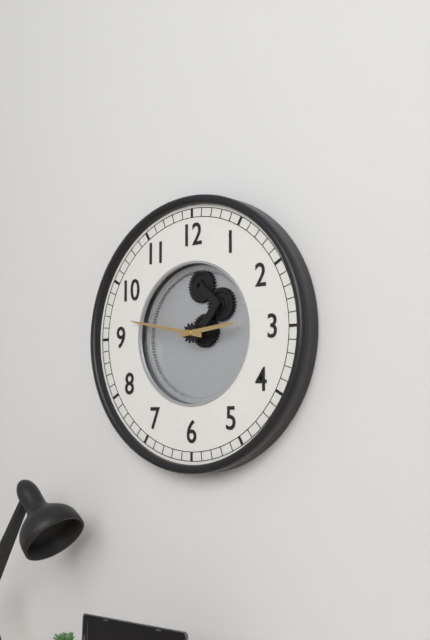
2,47
